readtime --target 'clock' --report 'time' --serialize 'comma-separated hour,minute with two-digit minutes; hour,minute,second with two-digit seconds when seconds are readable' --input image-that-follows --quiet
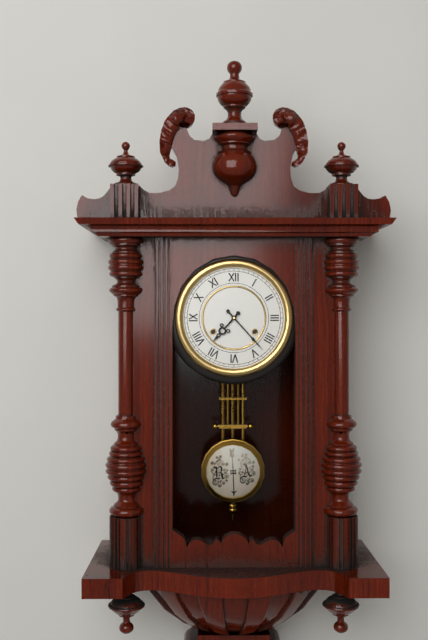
7,23
